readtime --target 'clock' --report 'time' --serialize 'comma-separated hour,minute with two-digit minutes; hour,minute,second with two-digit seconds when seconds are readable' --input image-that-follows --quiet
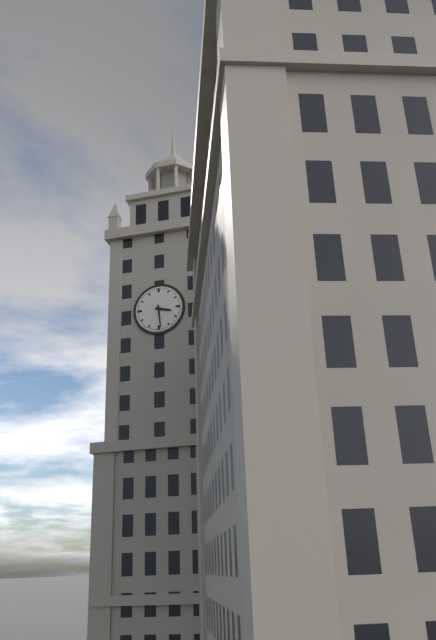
3,29
